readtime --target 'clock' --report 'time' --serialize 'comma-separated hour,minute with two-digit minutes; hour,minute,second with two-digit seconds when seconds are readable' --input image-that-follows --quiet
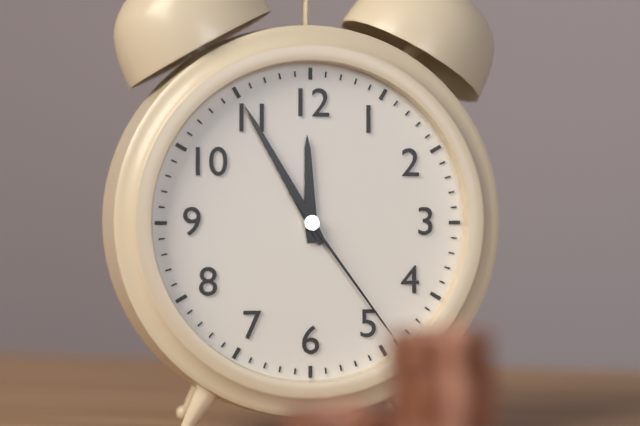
11,55,24
